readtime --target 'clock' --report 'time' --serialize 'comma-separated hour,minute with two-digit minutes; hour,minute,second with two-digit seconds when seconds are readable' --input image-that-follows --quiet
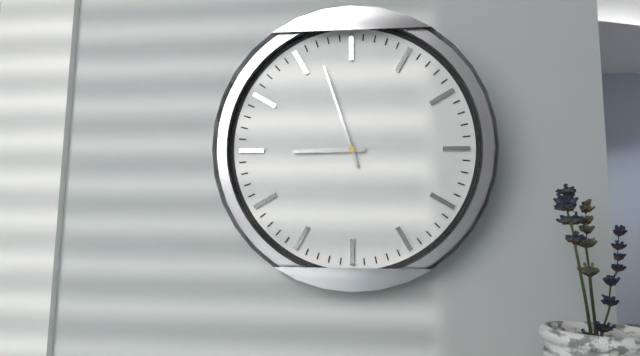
8,57
